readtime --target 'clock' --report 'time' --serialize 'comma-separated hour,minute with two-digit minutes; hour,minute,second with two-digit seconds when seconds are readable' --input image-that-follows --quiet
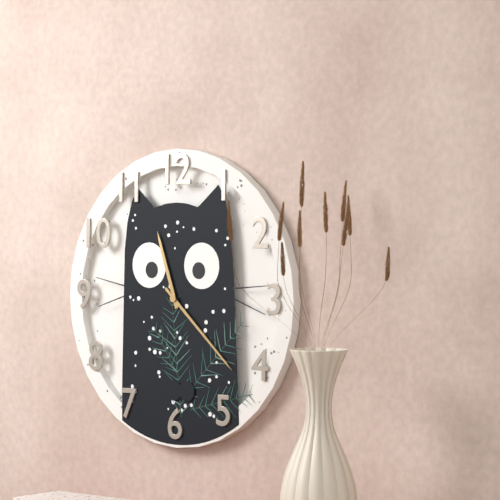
11,22
